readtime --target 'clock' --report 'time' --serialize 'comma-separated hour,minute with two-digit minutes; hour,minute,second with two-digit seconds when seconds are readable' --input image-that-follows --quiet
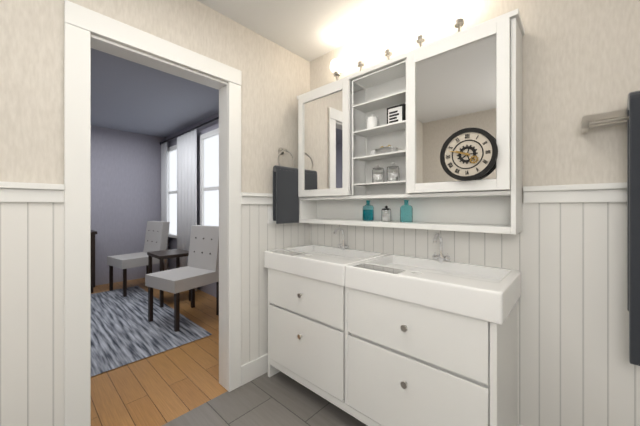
9,48
